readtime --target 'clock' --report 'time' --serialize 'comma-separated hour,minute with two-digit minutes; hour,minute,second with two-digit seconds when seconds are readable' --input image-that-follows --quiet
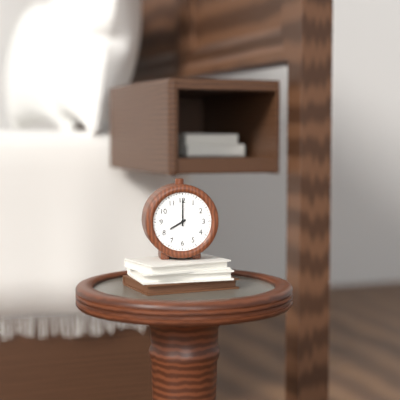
8,00
